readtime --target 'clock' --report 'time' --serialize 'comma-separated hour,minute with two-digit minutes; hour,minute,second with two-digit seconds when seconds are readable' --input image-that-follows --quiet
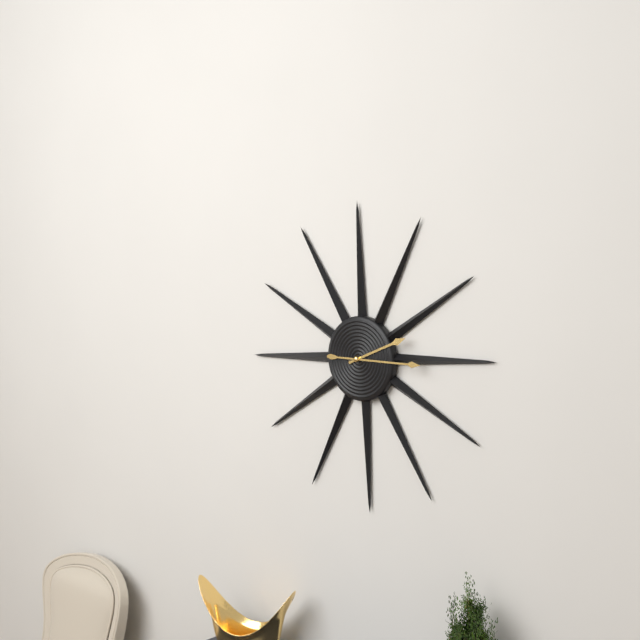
2,15
